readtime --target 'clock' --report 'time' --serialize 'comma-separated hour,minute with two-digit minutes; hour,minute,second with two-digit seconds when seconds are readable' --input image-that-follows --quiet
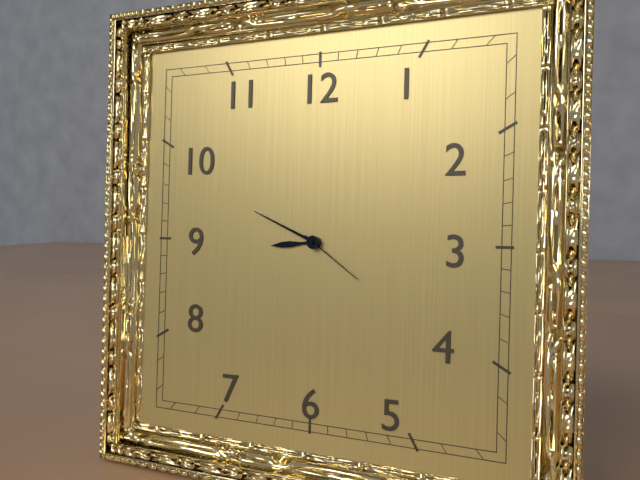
8,49,21
